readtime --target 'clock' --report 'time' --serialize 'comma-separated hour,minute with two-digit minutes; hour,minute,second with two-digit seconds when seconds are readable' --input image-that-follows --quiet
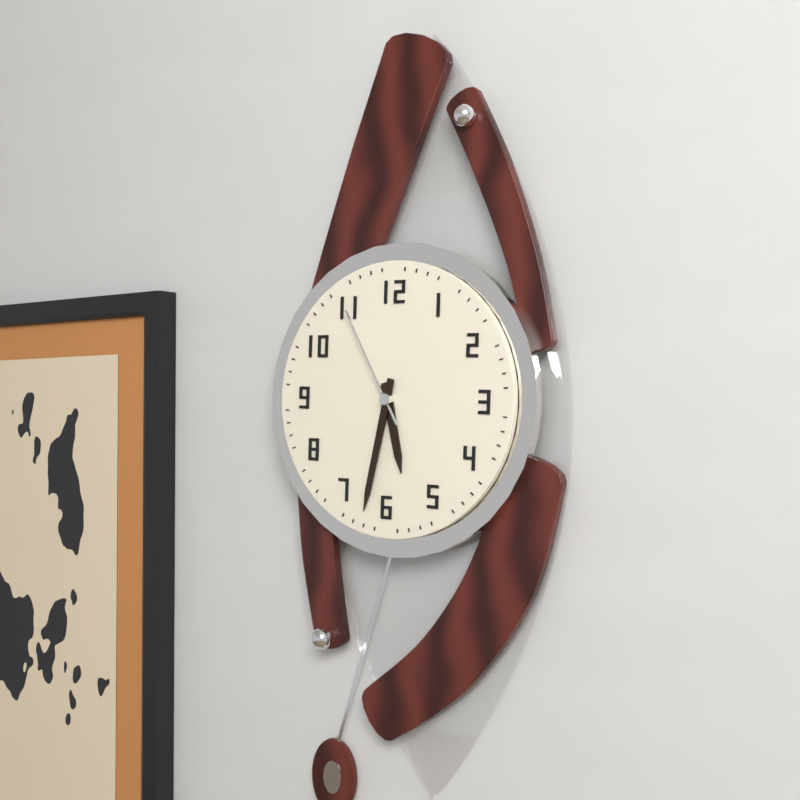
5,32,55
